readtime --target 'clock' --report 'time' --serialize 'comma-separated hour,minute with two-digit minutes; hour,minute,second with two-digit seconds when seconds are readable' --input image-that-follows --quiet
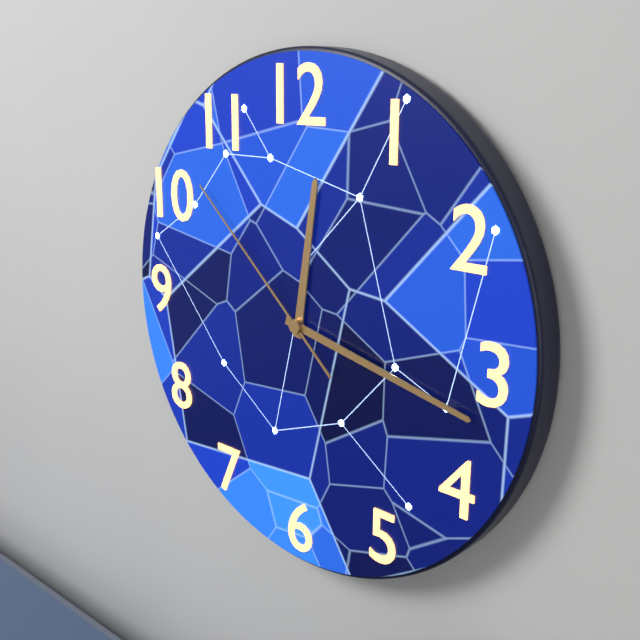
12,17,52
